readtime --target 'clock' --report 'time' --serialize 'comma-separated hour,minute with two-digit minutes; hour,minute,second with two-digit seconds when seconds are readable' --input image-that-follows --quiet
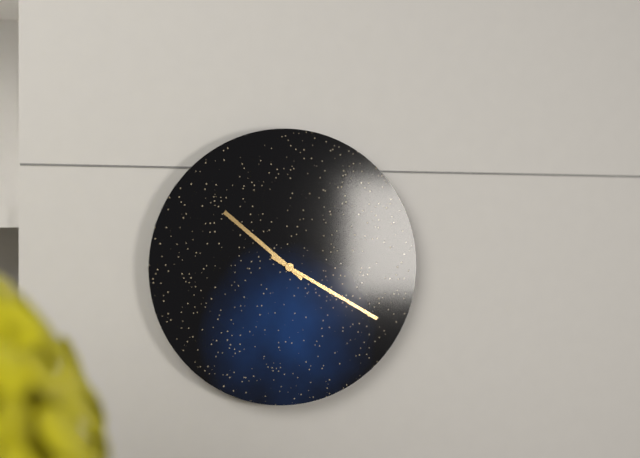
10,20
